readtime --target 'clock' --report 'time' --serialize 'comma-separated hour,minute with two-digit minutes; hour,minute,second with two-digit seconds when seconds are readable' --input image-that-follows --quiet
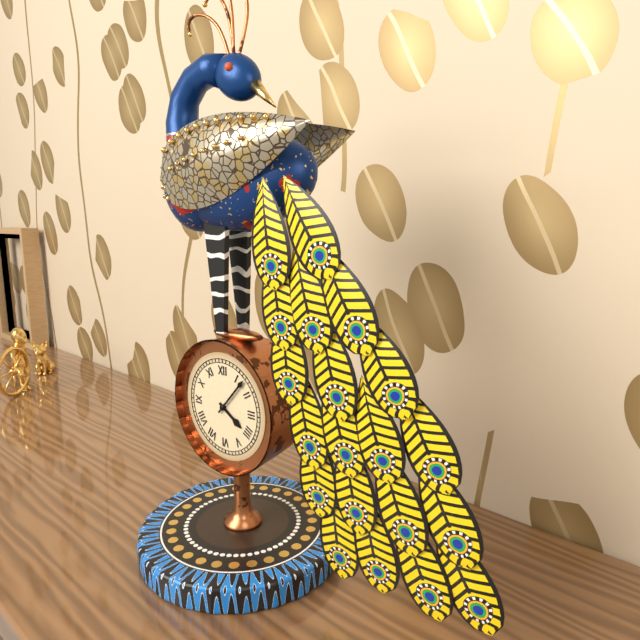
4,07
